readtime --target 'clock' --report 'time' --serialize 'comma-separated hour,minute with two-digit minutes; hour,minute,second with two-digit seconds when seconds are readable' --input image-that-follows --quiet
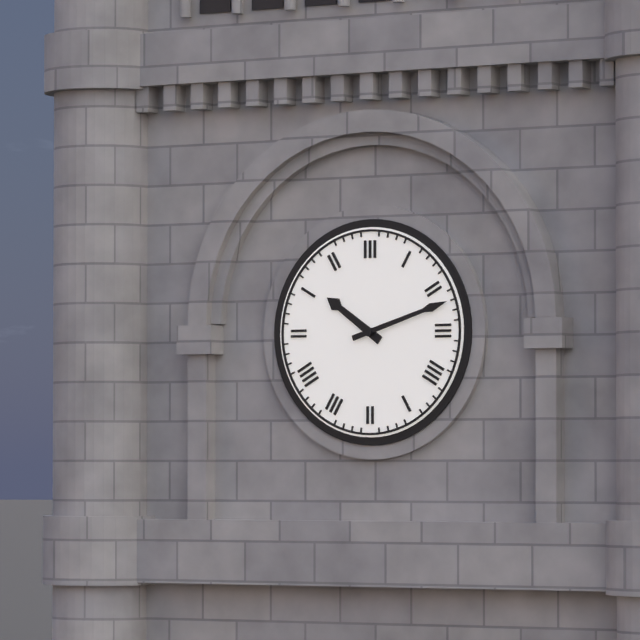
10,12
